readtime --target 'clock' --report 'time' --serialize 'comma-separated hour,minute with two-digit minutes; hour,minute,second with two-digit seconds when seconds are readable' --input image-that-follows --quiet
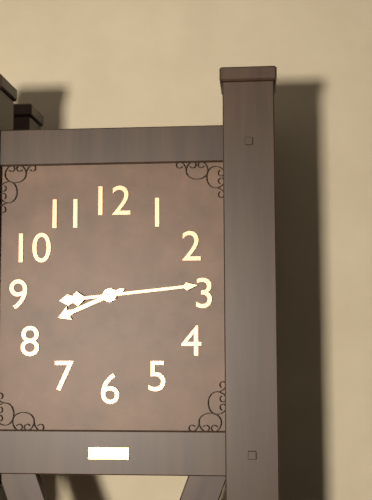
8,14
